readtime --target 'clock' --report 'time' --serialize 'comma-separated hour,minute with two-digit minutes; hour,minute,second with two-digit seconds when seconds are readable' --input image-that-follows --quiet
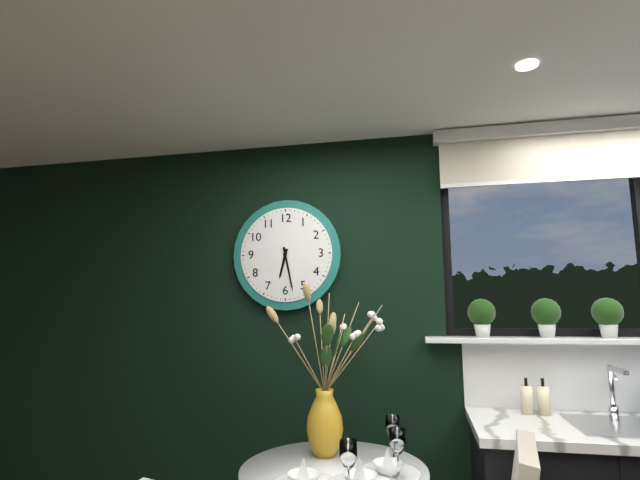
6,28
